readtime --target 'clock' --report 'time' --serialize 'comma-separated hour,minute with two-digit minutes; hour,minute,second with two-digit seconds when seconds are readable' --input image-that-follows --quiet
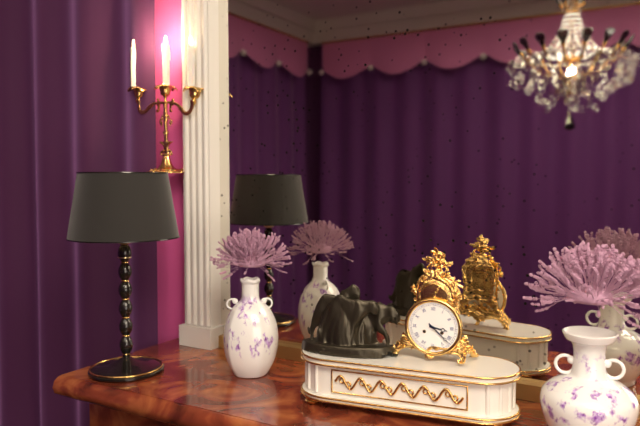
3,22
